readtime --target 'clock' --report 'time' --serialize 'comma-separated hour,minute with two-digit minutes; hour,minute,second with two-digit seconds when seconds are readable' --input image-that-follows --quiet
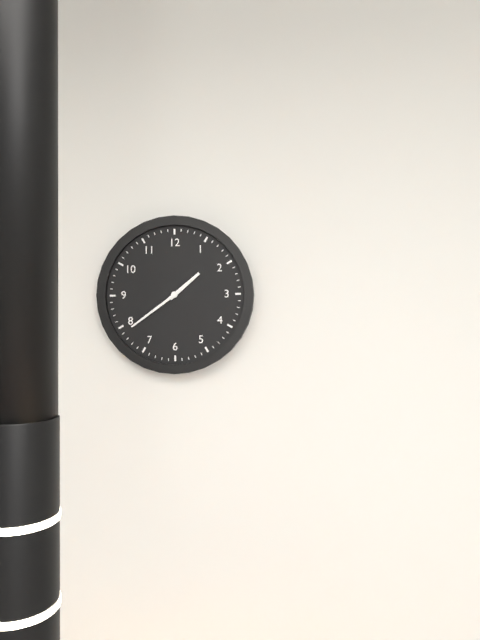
1,39
